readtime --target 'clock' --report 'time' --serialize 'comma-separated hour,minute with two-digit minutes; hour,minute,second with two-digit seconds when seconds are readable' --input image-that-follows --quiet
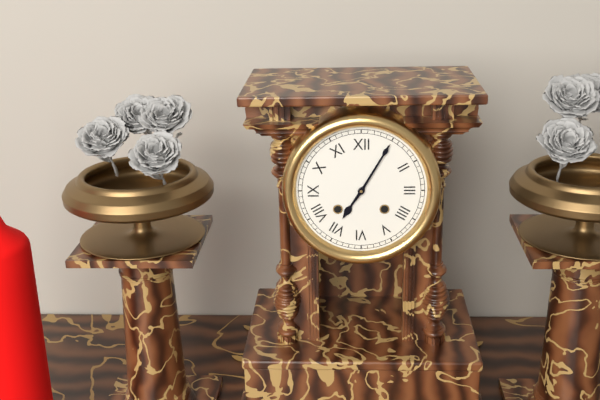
7,05
